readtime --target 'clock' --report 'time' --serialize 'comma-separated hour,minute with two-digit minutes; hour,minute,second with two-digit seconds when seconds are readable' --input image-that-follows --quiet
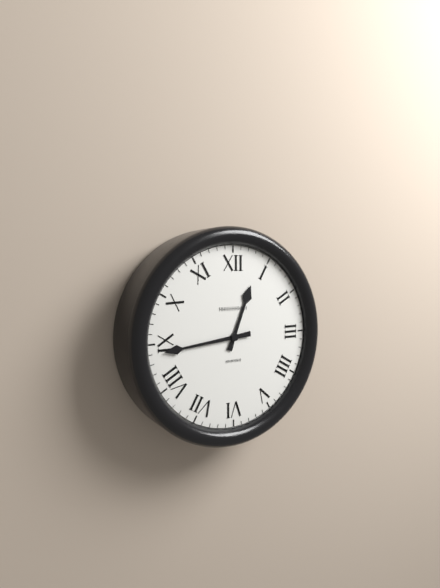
12,44
